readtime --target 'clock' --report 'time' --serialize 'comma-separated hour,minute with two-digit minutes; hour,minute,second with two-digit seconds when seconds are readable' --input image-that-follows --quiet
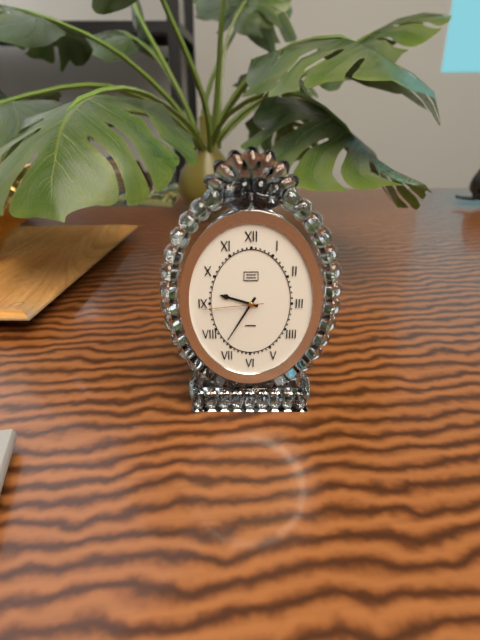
9,35,44
